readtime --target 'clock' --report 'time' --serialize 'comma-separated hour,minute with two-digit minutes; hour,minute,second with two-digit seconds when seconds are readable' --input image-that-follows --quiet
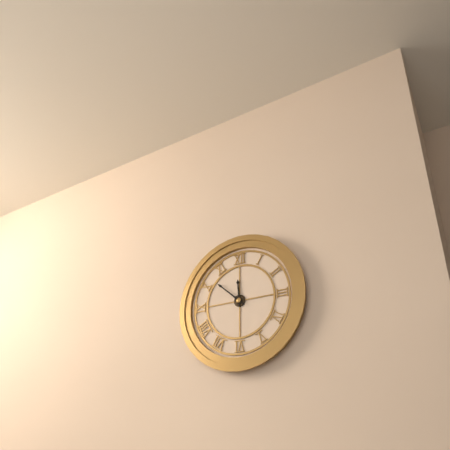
11,52
